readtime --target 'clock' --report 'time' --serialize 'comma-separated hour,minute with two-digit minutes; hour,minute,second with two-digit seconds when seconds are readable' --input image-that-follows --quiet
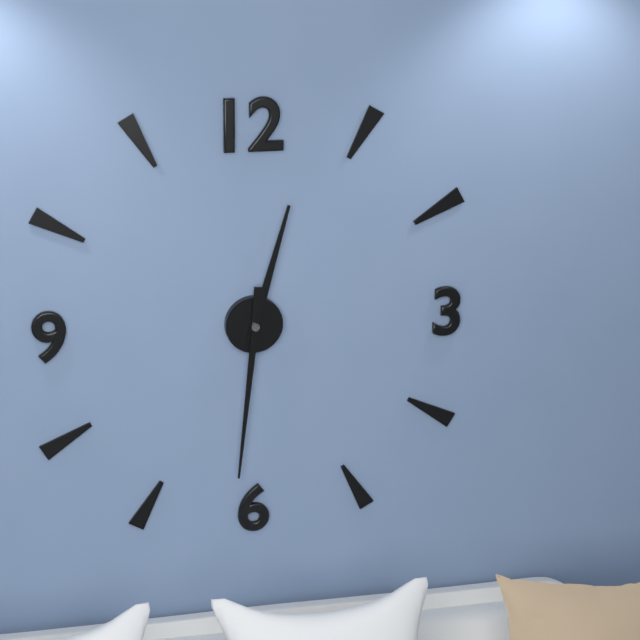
12,31
